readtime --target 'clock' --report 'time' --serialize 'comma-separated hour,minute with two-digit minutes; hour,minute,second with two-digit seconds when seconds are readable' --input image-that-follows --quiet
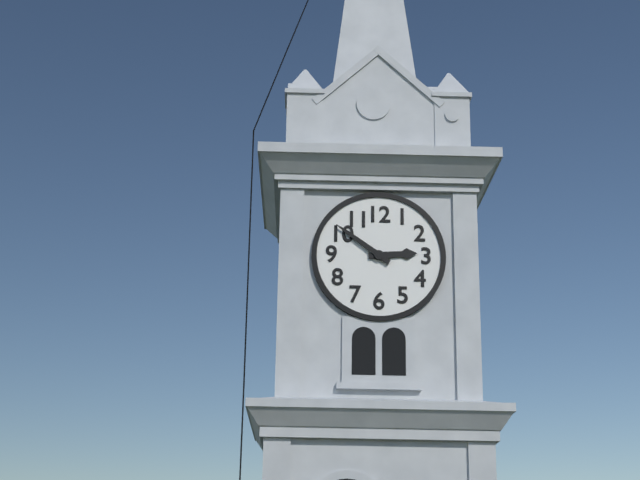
2,51
